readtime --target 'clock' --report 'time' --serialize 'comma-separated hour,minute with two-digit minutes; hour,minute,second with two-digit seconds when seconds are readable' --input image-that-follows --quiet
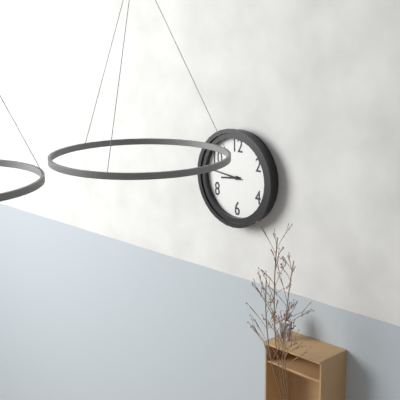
8,46
